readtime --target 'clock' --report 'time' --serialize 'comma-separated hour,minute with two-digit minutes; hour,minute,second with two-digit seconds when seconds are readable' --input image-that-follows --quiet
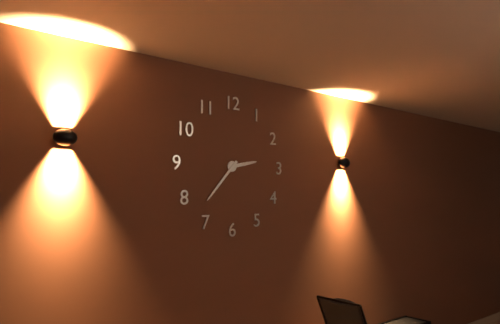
2,37
